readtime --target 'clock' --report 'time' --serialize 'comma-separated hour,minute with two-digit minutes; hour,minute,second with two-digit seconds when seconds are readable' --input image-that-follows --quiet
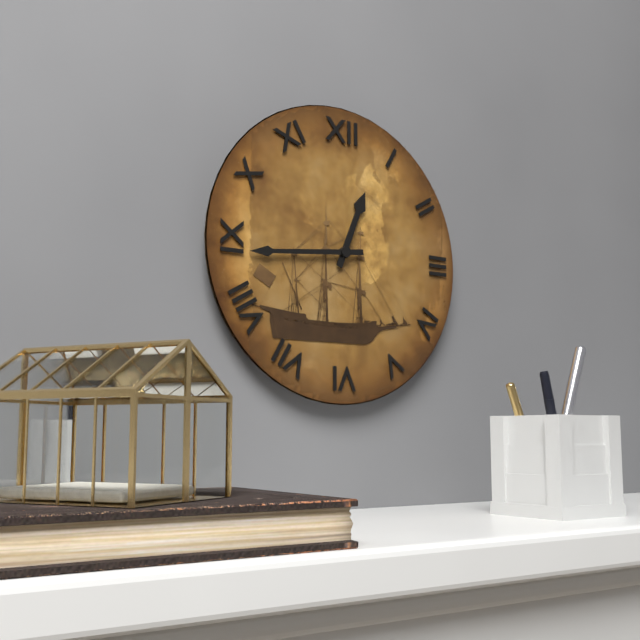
12,44
